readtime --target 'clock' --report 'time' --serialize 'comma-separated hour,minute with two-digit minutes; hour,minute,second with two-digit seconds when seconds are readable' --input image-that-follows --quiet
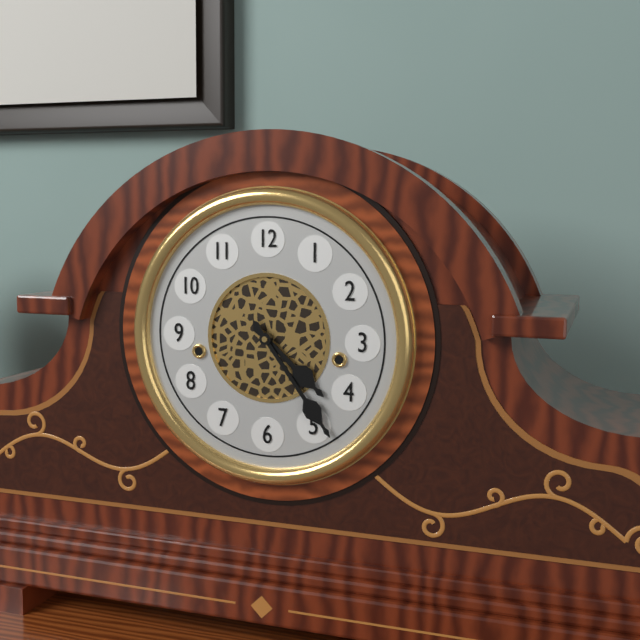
4,24
